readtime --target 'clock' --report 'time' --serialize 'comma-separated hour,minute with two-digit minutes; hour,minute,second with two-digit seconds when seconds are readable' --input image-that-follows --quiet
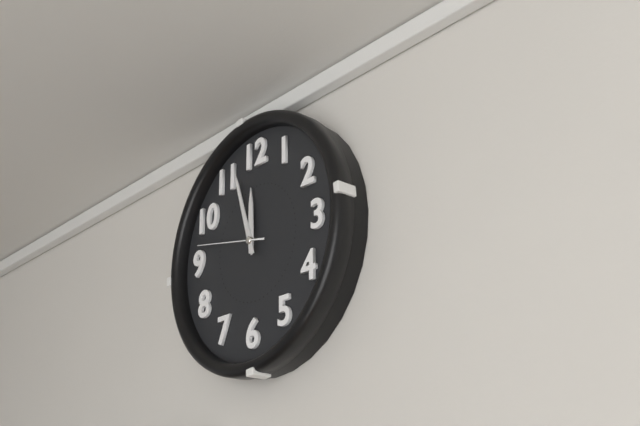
11,57,47
